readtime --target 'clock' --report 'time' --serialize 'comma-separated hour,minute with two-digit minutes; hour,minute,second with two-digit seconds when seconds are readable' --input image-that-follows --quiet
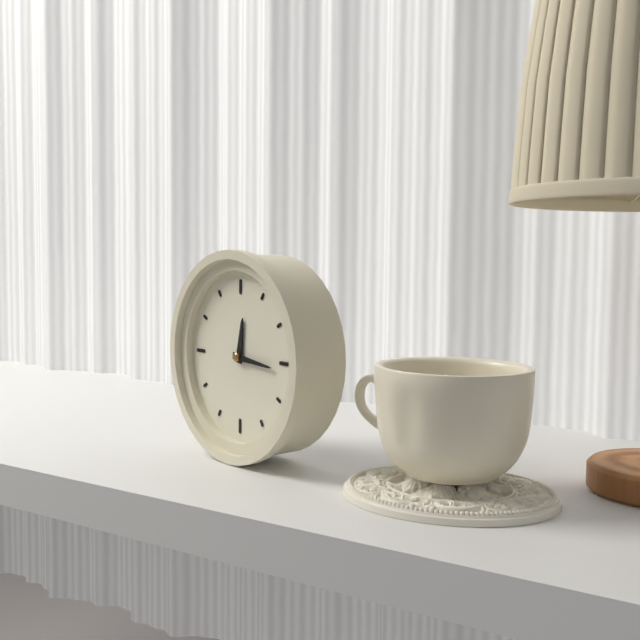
12,16
